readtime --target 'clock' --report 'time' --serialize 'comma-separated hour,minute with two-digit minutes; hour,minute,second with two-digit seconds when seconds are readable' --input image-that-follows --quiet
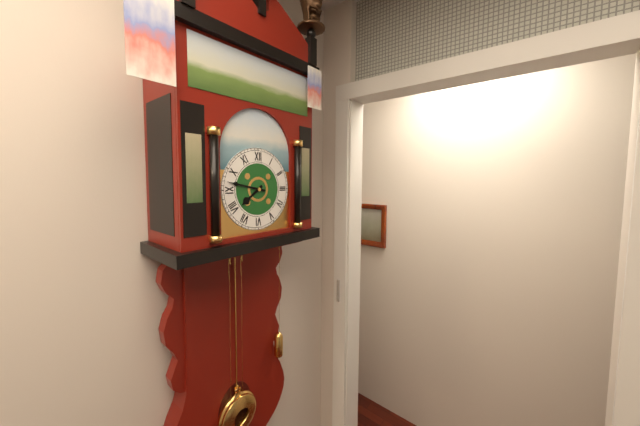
7,47
